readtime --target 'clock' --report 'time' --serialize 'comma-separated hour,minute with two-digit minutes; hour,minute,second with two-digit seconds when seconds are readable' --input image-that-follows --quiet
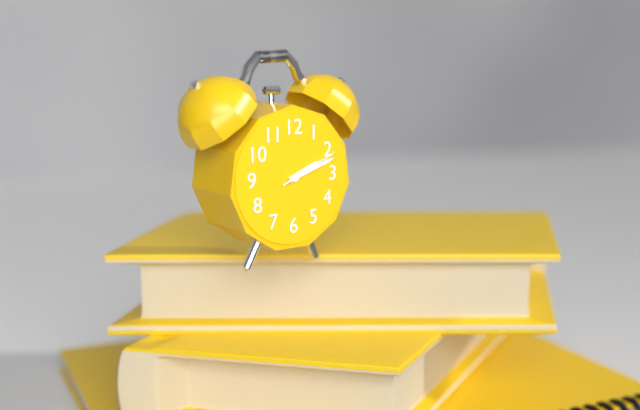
2,12,11
